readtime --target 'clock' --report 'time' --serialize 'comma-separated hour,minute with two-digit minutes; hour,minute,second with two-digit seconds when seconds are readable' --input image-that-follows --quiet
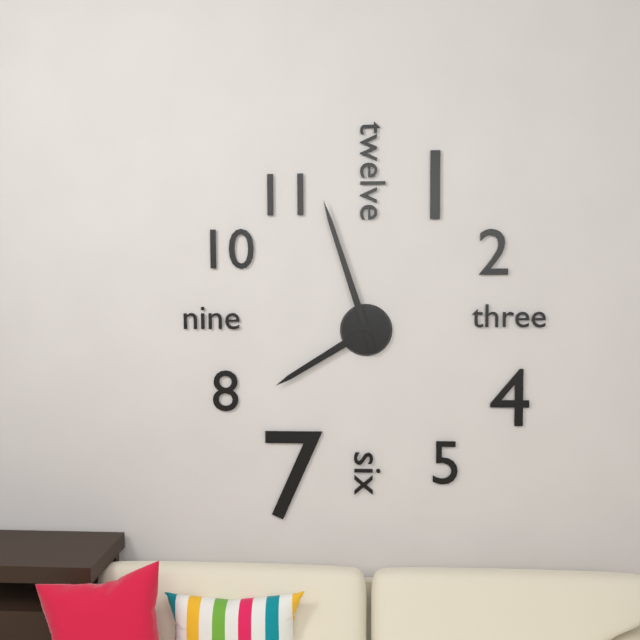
7,57
